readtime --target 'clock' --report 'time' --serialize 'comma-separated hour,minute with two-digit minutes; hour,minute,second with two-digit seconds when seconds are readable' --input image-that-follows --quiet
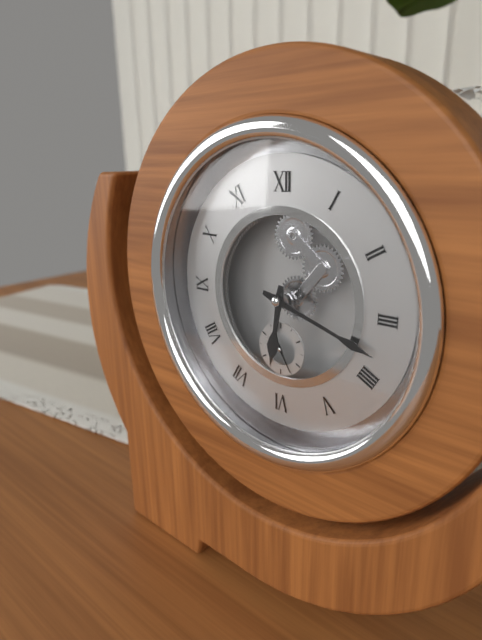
6,18
